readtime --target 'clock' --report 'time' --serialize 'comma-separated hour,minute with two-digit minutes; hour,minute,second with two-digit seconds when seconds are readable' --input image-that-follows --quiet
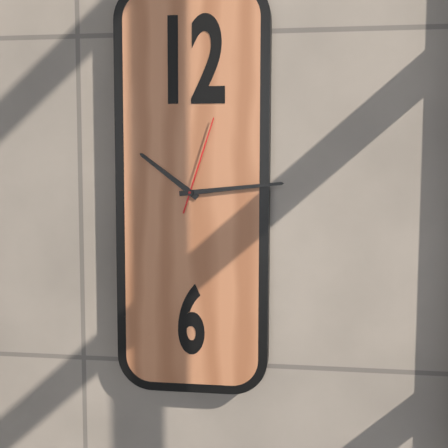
10,14,03
